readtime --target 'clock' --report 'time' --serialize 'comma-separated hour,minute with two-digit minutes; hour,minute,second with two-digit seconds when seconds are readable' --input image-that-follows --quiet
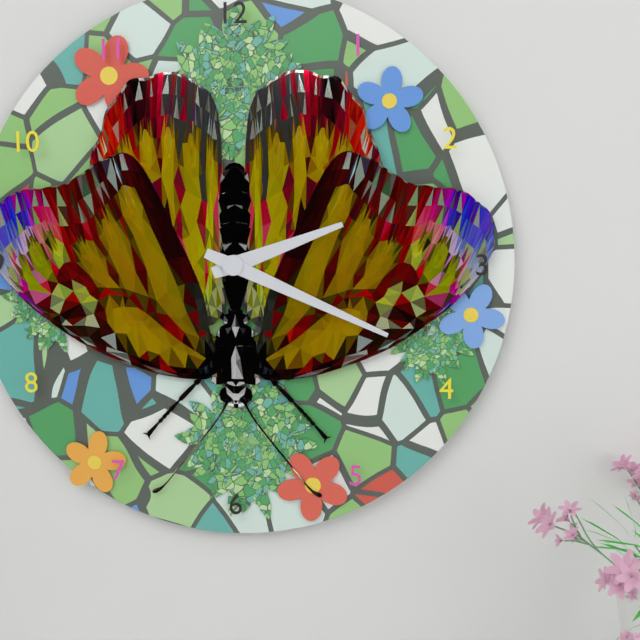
2,19
